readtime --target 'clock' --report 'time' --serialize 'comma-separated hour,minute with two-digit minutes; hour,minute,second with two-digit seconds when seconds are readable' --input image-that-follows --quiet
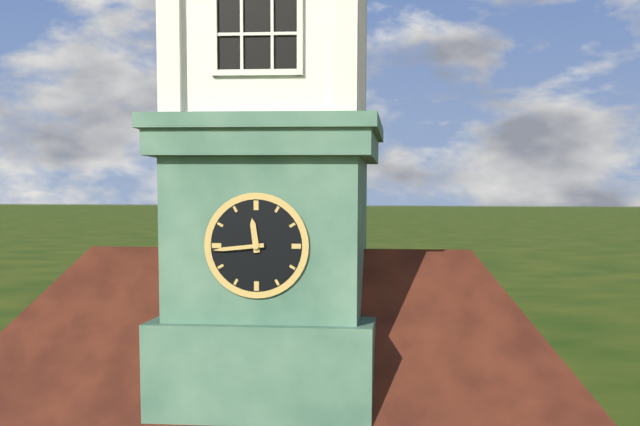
11,44
